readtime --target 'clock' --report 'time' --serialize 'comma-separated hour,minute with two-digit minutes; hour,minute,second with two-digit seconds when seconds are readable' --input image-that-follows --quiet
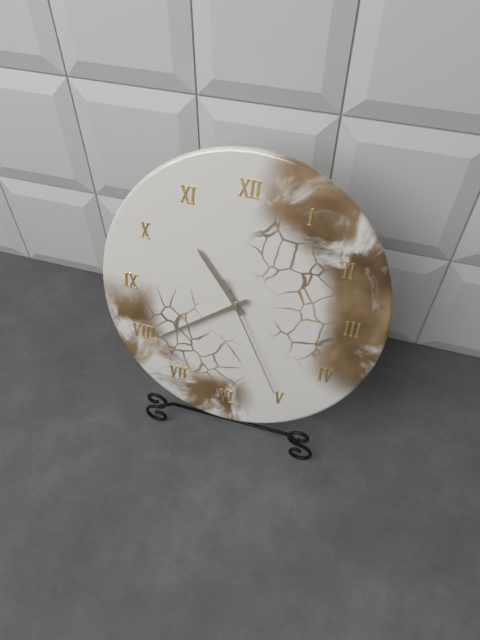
10,39,25
